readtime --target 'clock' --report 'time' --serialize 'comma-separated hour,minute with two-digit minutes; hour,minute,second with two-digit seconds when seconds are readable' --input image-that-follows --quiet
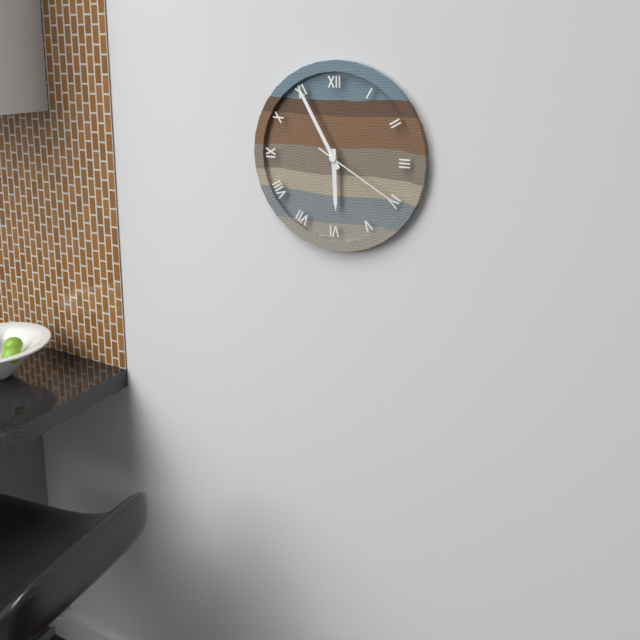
5,55,20
